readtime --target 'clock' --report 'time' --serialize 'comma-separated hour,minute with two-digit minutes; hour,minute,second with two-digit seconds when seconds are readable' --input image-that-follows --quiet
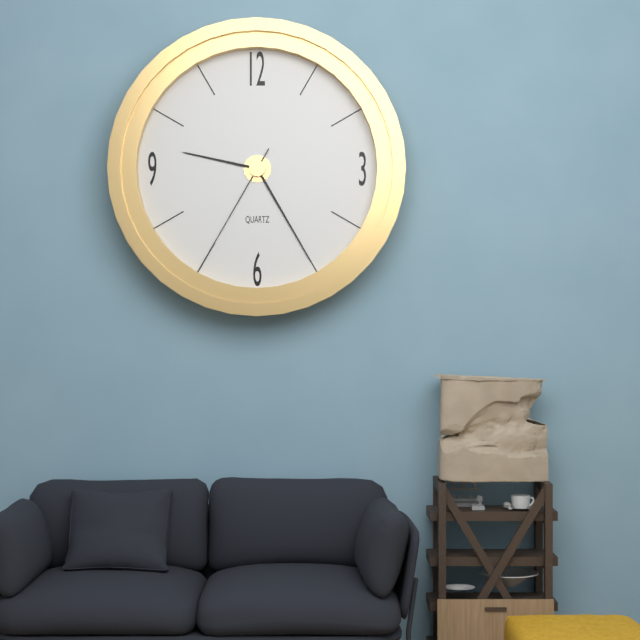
9,25,35
